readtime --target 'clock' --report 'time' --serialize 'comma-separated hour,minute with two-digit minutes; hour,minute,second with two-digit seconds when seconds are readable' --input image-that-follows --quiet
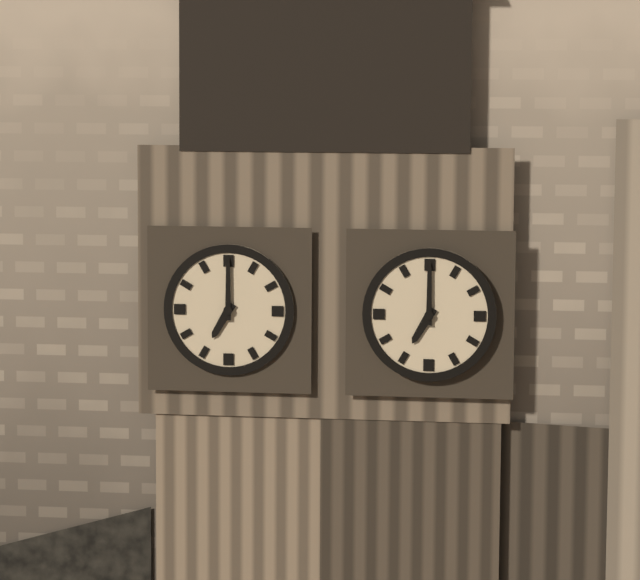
7,00
